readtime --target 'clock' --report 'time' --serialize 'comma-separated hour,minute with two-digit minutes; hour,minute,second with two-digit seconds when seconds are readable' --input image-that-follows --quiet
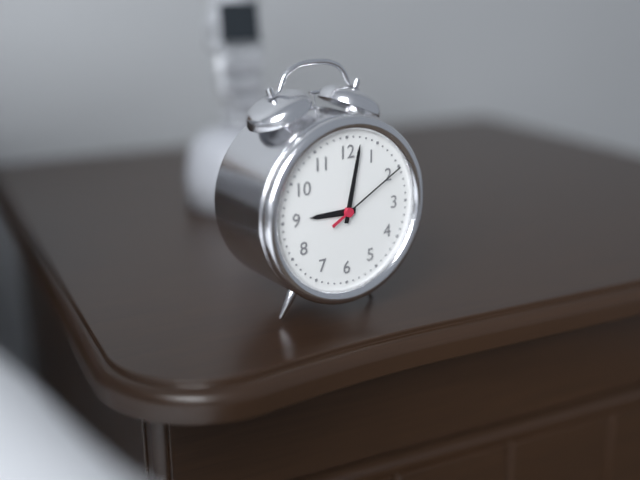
9,02,10
